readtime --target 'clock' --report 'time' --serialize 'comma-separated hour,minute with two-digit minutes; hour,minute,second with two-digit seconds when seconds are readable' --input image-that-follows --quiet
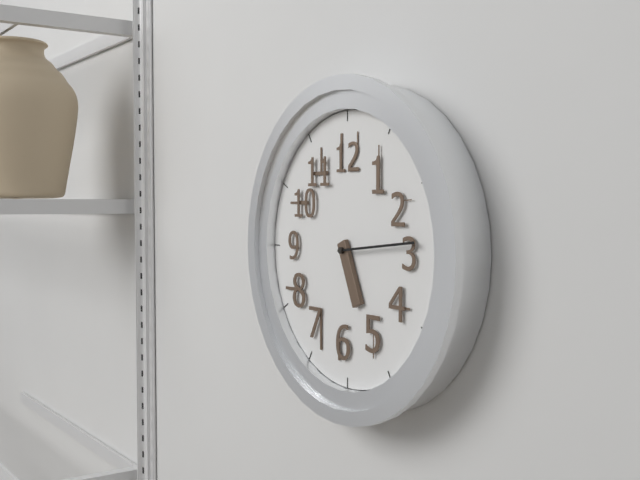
5,14
